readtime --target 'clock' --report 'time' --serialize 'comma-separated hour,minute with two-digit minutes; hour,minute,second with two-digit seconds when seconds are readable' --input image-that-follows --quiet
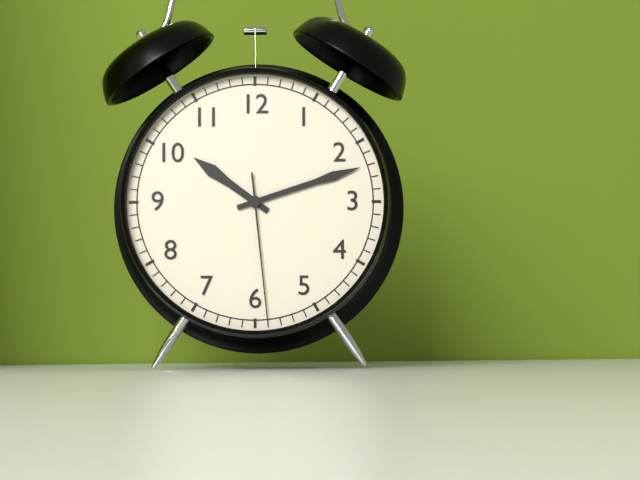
10,12,29
